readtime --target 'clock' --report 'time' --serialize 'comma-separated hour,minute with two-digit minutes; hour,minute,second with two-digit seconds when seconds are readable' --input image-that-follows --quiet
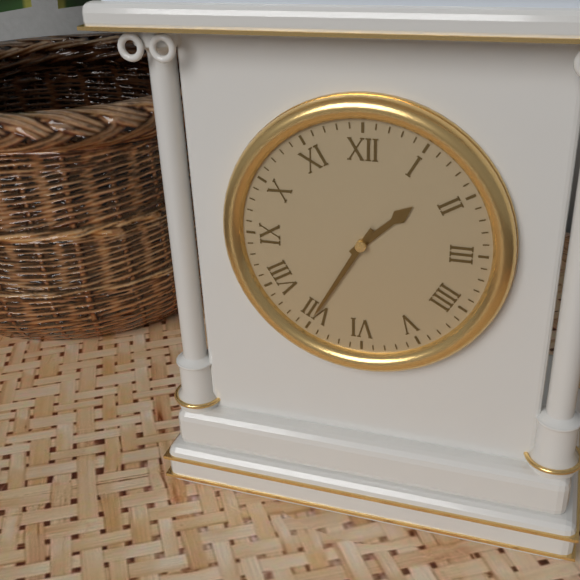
1,35
